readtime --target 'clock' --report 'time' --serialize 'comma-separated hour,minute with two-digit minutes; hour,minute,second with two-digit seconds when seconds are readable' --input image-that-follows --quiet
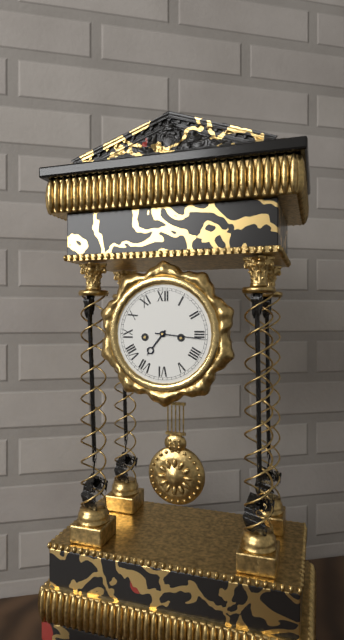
7,16
